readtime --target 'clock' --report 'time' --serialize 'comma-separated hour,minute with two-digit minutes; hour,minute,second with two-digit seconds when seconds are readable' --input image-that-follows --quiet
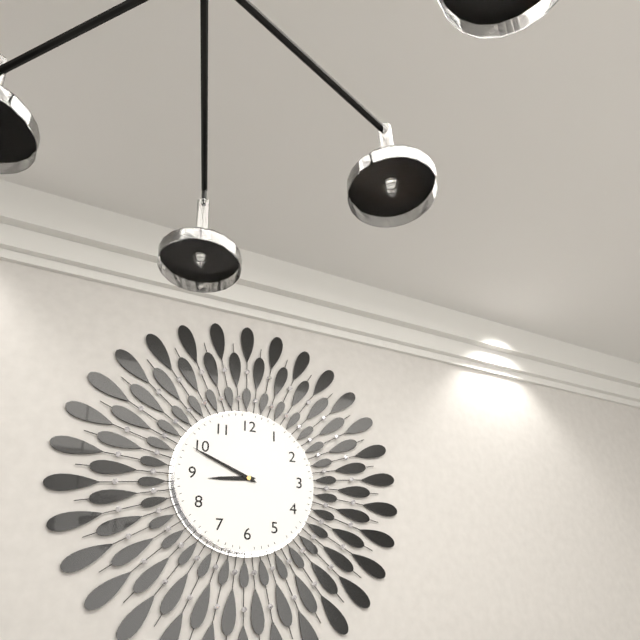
8,49
